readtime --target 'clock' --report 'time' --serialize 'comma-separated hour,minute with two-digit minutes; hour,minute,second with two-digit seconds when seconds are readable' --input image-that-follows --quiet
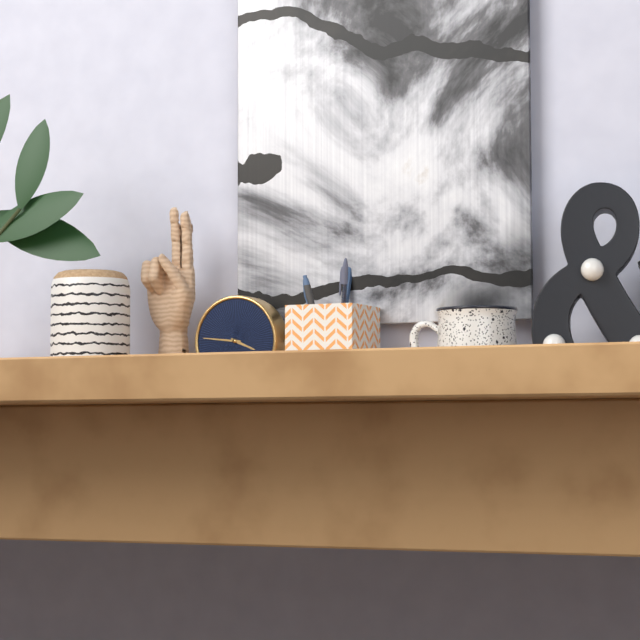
3,46
